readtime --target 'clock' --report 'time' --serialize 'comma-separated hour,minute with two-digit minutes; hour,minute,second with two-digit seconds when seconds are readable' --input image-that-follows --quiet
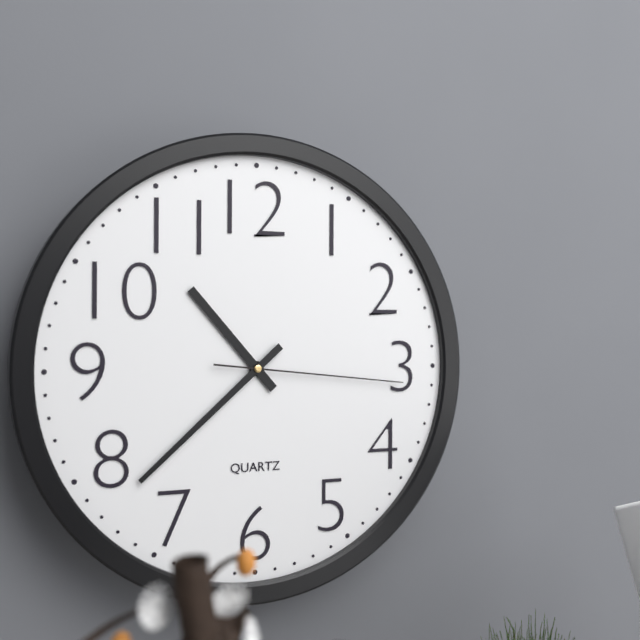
10,38,16
